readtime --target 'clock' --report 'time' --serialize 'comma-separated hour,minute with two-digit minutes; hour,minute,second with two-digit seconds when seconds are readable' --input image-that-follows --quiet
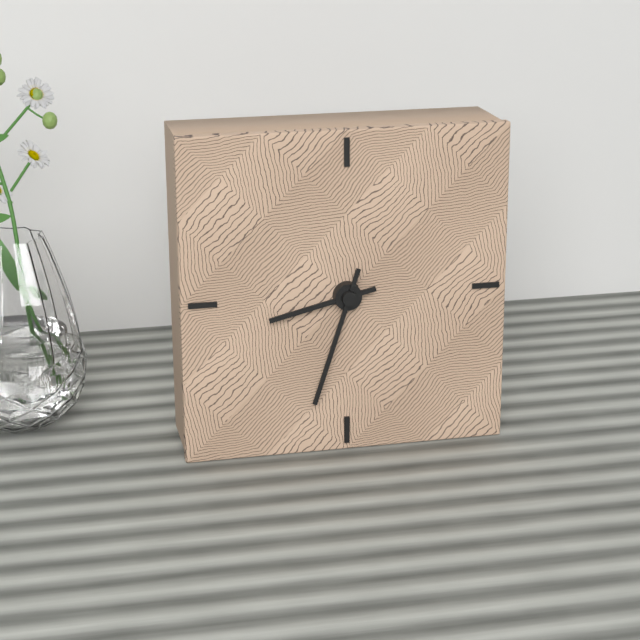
8,33
